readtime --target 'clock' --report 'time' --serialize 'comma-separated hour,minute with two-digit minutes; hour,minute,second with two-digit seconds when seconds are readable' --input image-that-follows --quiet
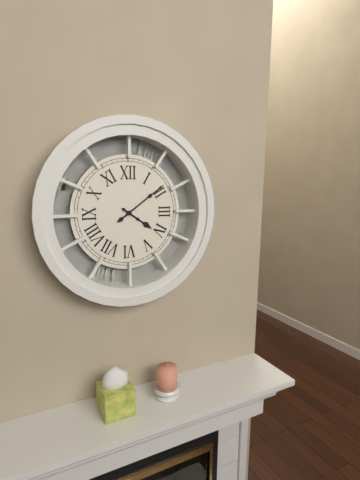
4,09
